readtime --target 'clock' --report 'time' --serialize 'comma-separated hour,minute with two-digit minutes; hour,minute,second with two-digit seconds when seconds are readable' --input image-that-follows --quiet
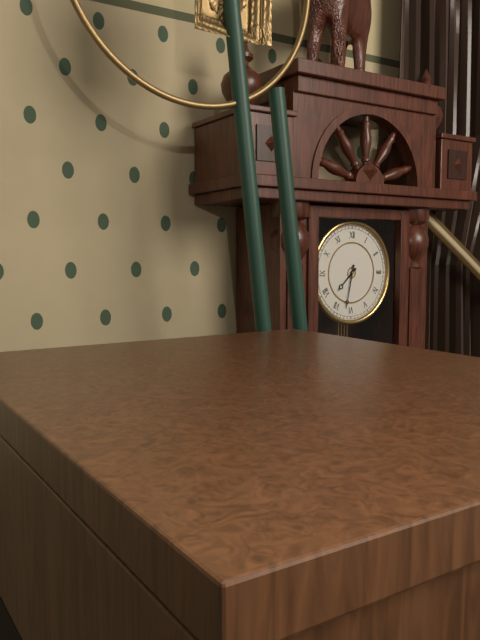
7,32
